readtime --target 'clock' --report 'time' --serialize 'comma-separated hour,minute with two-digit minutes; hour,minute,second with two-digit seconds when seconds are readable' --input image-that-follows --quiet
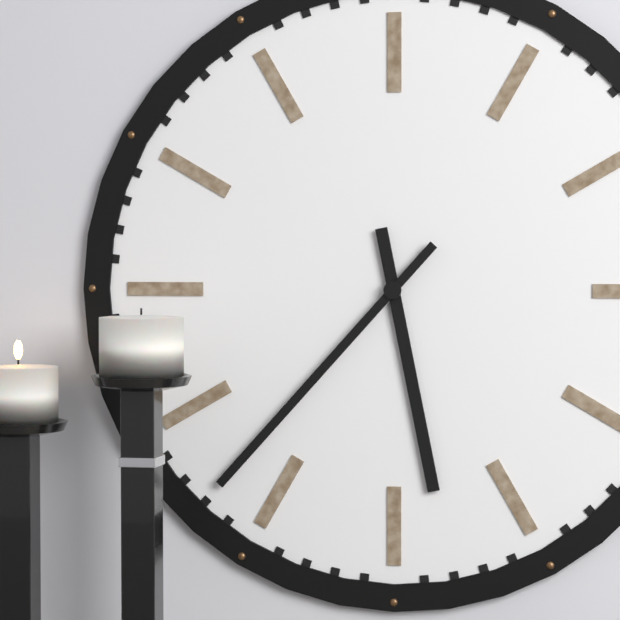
5,37
